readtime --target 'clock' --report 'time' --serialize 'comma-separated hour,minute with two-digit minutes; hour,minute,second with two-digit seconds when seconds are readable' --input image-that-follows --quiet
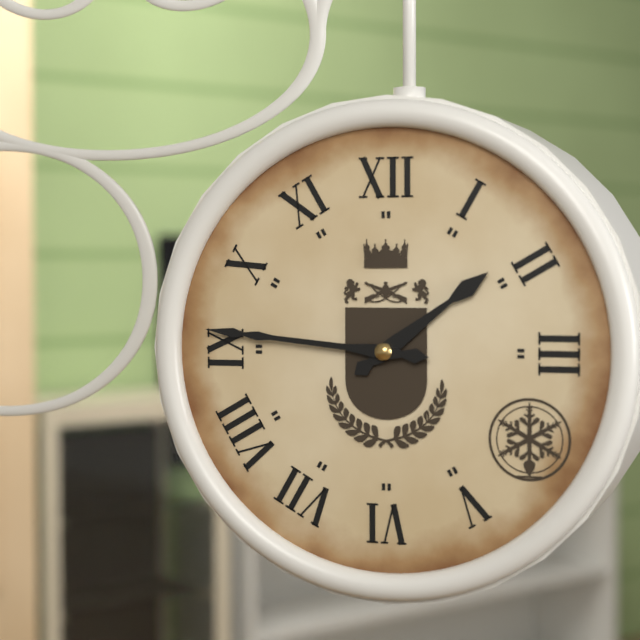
1,46
